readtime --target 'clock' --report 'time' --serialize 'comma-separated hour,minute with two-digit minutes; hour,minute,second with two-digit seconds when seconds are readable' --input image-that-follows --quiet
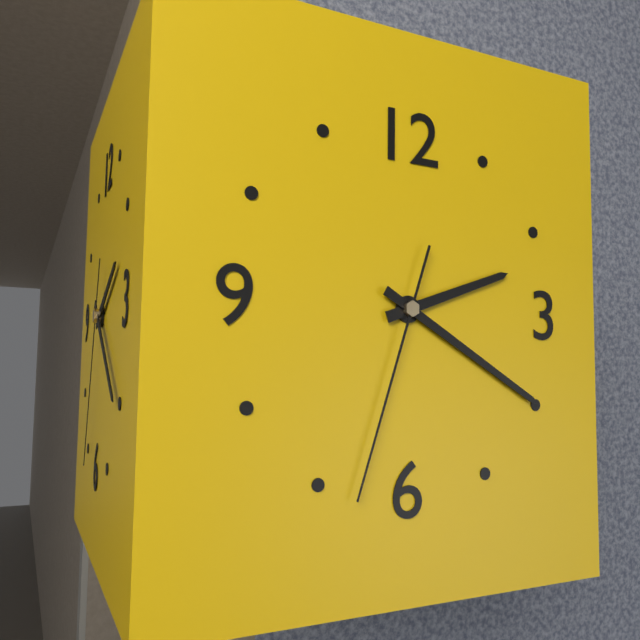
2,20,33
